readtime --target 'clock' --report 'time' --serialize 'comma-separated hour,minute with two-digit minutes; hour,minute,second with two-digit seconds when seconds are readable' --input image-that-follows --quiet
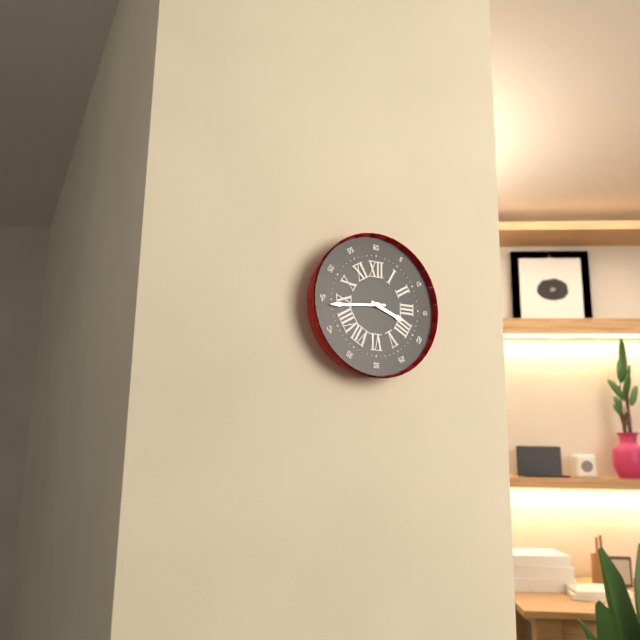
3,44
